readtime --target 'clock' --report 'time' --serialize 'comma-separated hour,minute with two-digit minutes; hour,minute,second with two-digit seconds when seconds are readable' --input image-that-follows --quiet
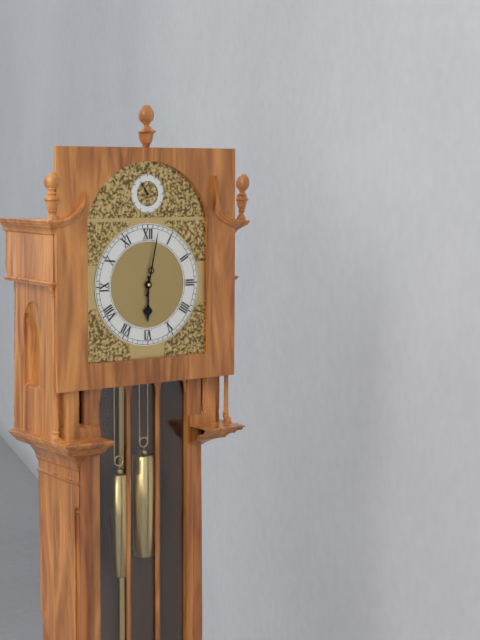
6,02
